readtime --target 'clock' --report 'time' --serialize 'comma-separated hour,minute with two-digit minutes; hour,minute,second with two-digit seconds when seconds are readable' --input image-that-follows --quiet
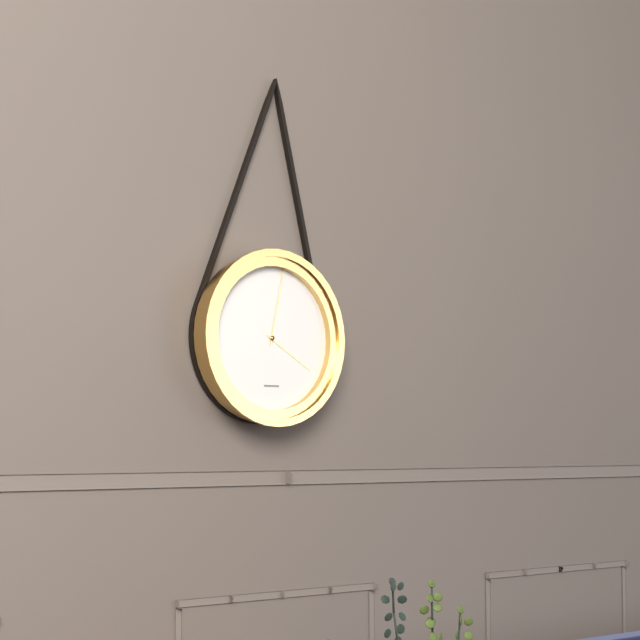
4,02
